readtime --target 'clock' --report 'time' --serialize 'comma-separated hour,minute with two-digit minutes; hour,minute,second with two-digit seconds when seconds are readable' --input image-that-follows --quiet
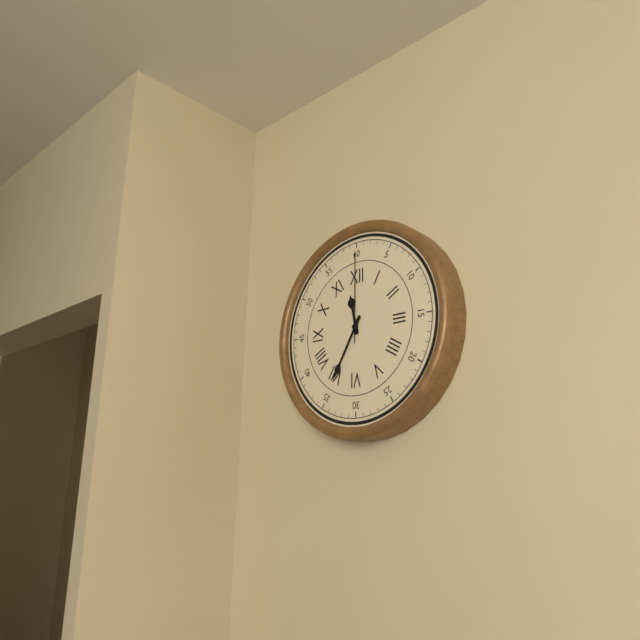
11,35,00
